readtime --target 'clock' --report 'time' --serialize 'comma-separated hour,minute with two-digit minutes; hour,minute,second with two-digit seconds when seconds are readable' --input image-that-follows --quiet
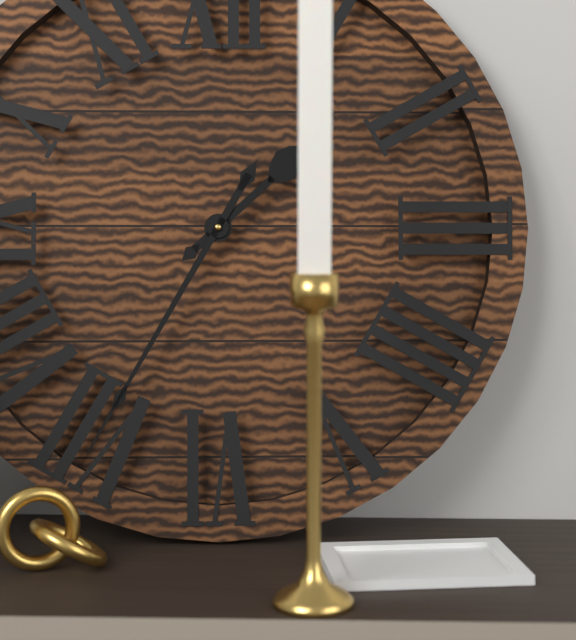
1,35
